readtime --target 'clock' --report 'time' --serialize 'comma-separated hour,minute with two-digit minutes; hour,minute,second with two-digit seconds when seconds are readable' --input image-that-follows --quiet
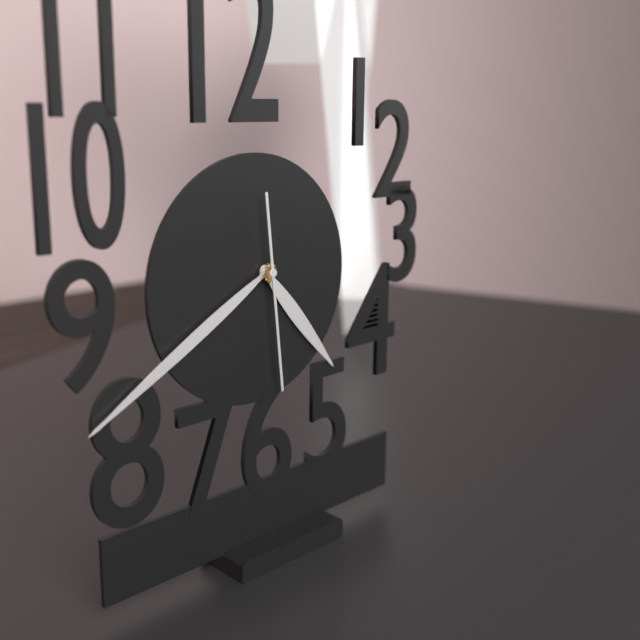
4,40,29
